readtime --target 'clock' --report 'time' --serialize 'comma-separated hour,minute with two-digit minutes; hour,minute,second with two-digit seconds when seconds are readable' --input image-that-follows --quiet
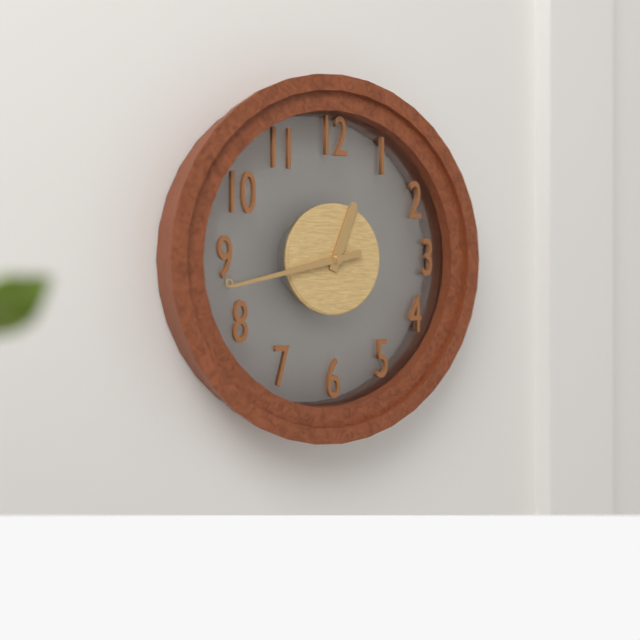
12,43
